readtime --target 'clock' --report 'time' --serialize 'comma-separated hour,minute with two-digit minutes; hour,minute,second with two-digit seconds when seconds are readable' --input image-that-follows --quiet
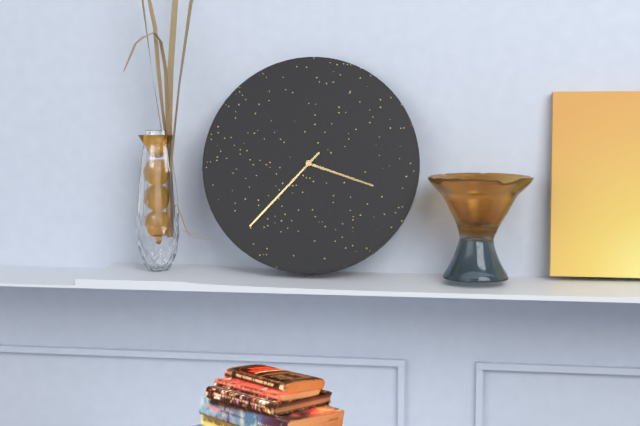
3,37
